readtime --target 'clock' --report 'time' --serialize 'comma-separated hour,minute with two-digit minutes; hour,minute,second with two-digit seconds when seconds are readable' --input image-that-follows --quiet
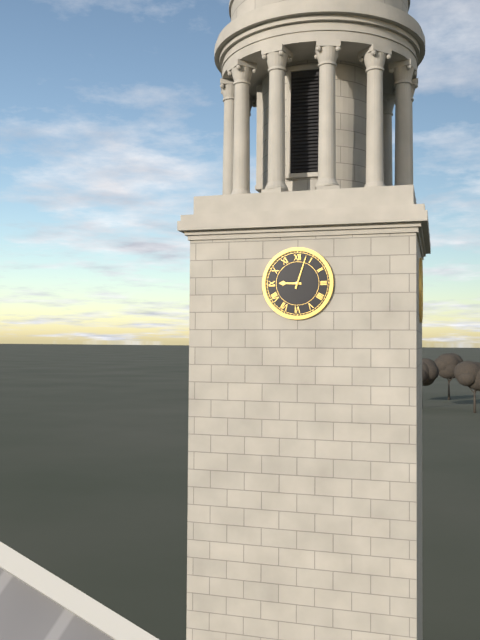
9,03
